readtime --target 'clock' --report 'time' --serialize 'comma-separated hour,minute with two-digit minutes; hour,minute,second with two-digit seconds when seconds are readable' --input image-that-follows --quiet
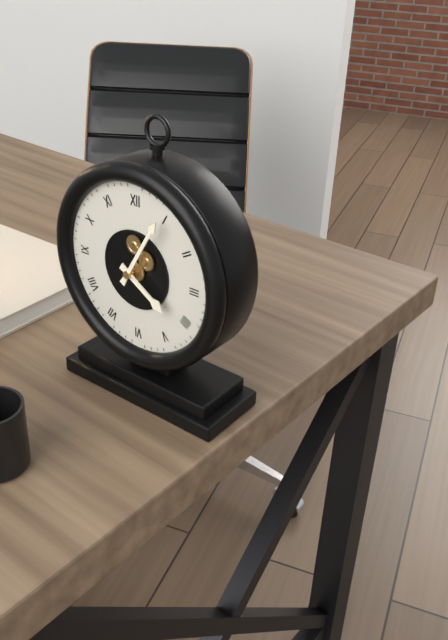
4,05
